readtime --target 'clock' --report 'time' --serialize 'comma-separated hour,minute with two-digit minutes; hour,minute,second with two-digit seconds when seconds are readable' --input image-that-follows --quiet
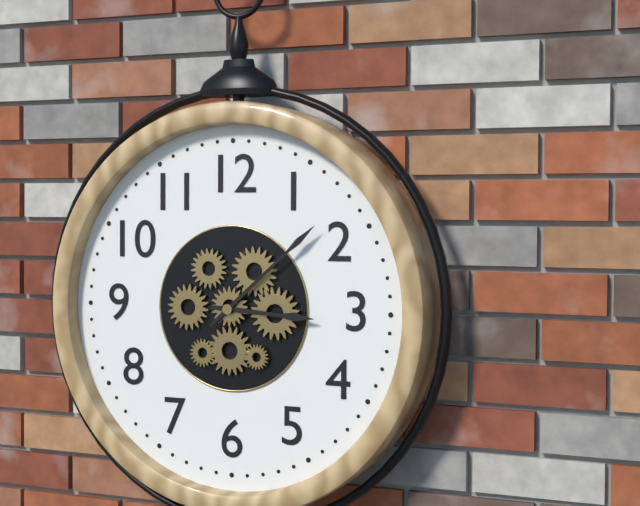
3,08
